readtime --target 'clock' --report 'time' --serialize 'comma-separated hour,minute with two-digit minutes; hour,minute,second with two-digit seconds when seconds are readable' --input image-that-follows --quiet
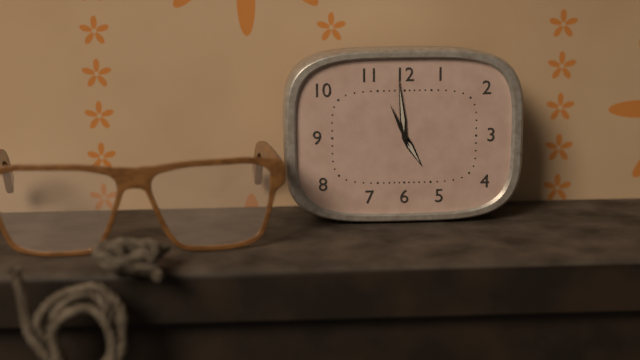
4,59
